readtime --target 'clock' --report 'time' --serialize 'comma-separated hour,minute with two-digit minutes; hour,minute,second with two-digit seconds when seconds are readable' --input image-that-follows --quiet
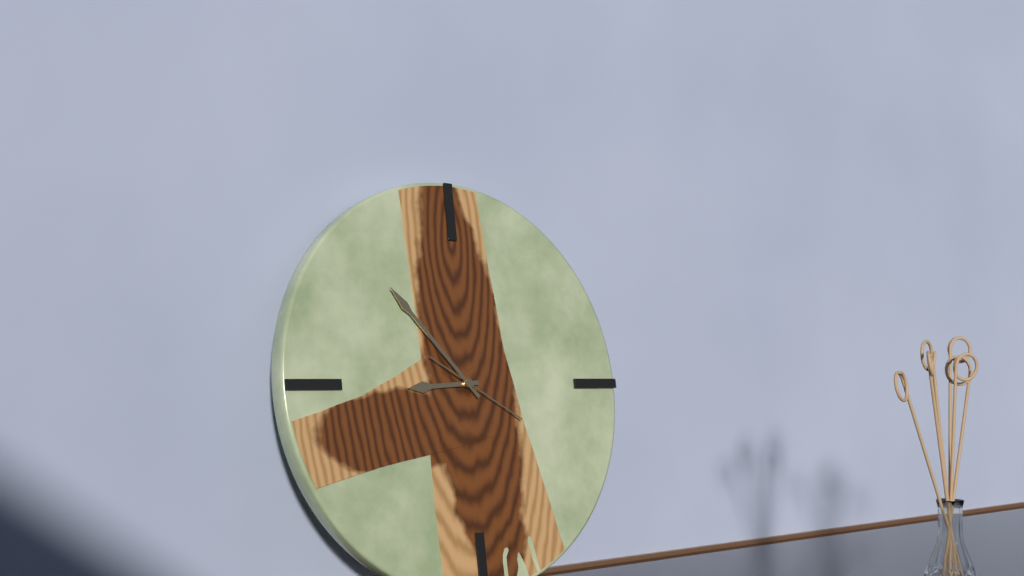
8,53,20
